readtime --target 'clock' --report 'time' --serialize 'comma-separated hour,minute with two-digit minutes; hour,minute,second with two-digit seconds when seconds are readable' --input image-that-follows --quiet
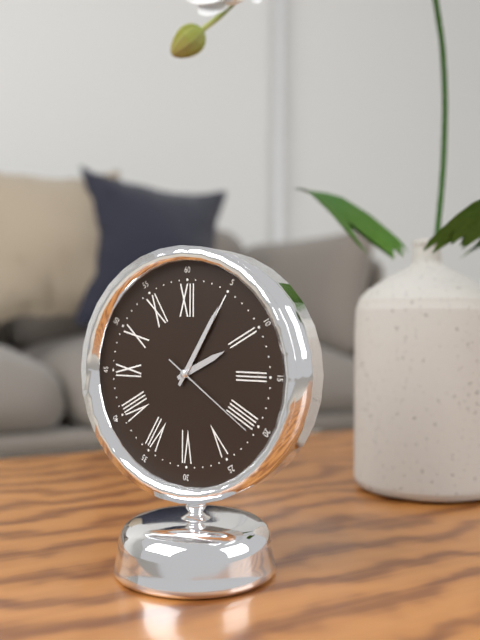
2,05,21
